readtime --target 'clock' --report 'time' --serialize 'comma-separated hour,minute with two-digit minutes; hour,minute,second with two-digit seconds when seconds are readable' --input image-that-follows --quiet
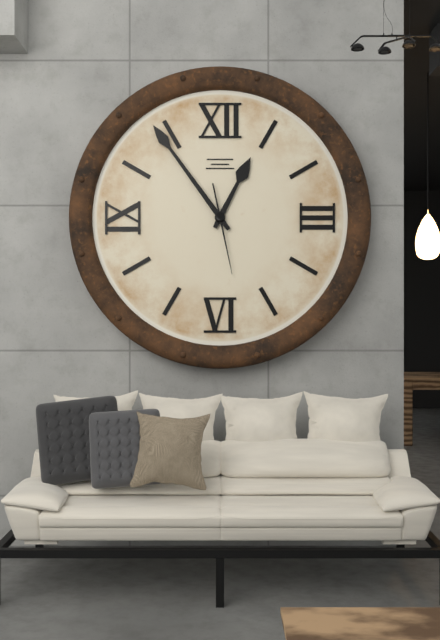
12,54,28
